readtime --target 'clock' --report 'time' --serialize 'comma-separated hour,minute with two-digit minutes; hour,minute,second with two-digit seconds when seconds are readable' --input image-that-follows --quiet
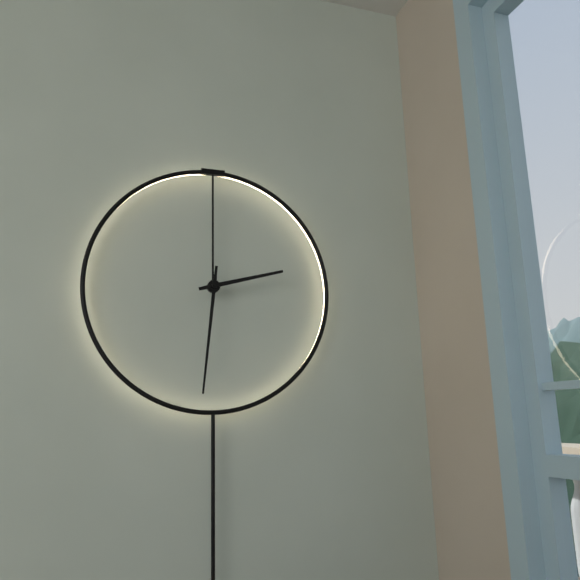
2,31
